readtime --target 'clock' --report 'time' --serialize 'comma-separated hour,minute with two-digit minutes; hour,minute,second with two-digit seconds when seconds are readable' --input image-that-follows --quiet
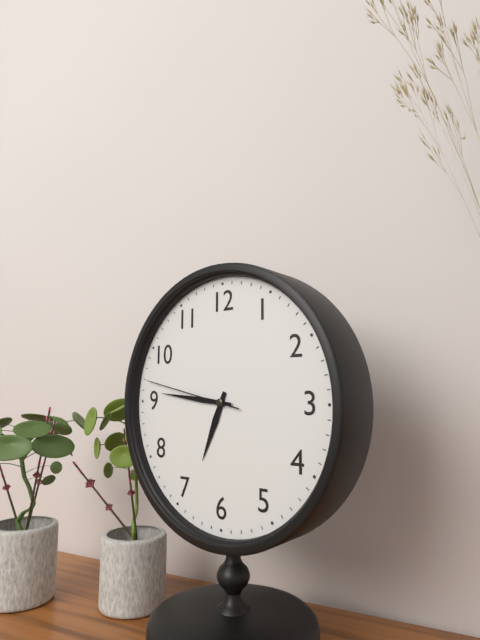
6,46,47
